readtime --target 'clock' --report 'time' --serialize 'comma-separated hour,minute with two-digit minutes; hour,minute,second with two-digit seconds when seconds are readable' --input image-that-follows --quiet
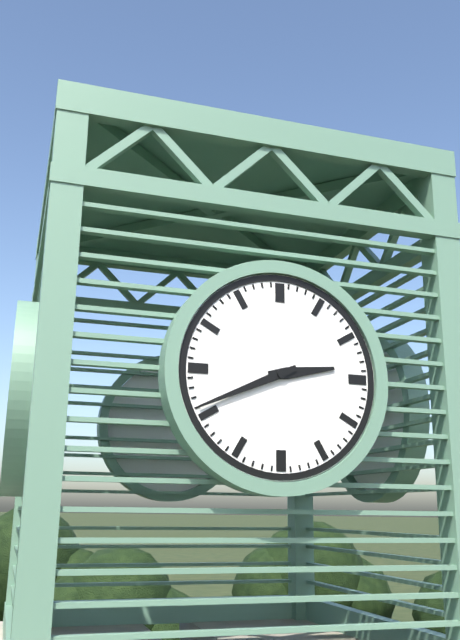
2,41
